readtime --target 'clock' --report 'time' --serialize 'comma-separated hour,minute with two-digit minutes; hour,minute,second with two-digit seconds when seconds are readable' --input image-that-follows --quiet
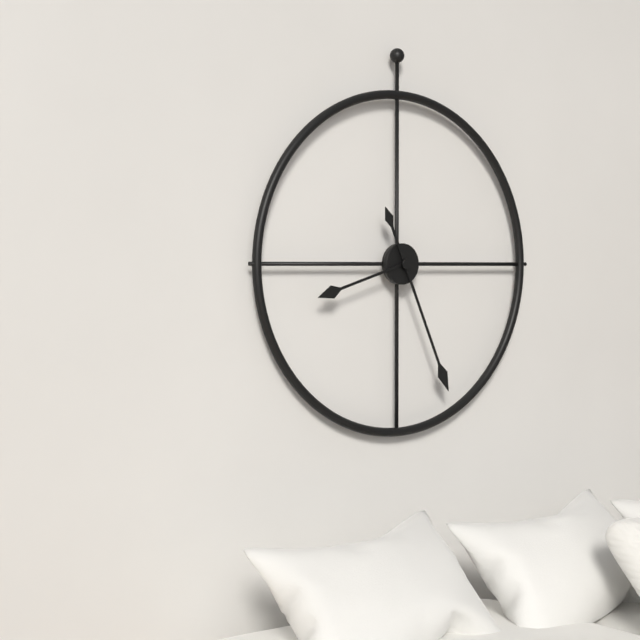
8,26
